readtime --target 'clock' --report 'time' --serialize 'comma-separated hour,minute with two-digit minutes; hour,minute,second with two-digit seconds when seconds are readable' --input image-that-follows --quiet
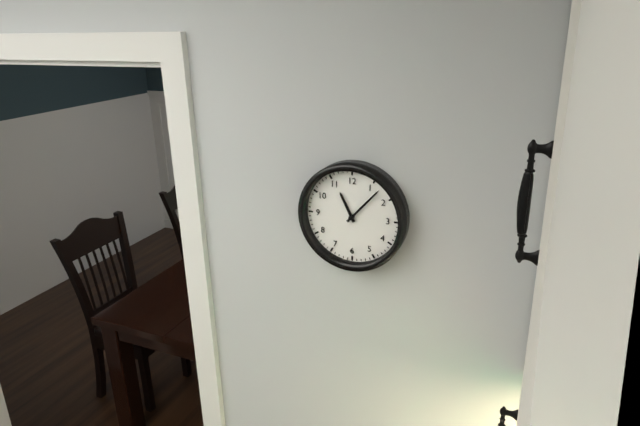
11,07
